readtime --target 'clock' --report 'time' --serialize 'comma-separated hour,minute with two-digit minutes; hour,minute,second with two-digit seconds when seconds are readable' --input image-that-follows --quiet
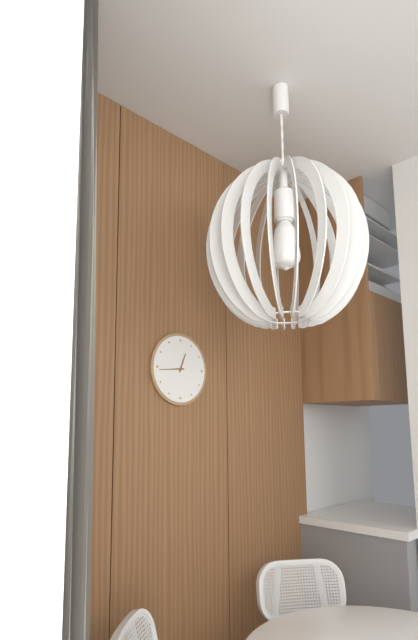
12,44
